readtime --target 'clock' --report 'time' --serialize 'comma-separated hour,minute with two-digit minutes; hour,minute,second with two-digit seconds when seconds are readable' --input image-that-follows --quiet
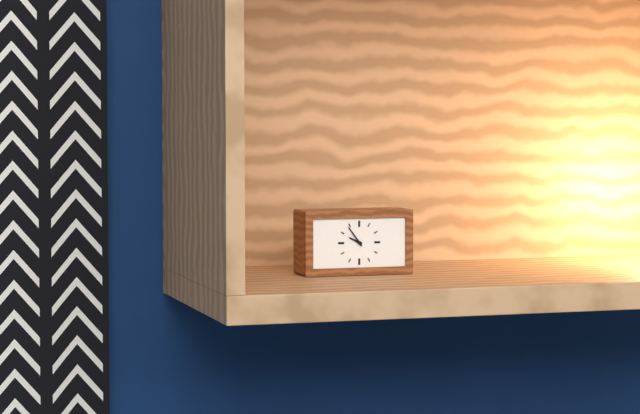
9,54
